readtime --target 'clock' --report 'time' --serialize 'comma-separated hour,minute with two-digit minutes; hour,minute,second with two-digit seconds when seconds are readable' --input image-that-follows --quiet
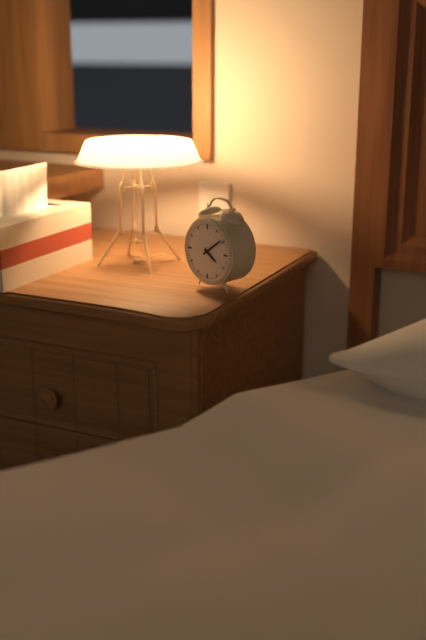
4,09
